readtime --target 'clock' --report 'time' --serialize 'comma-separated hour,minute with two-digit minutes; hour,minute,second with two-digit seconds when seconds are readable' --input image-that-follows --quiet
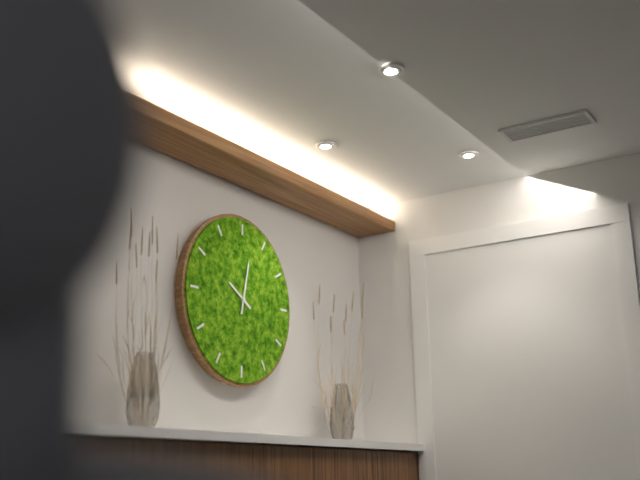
10,02
